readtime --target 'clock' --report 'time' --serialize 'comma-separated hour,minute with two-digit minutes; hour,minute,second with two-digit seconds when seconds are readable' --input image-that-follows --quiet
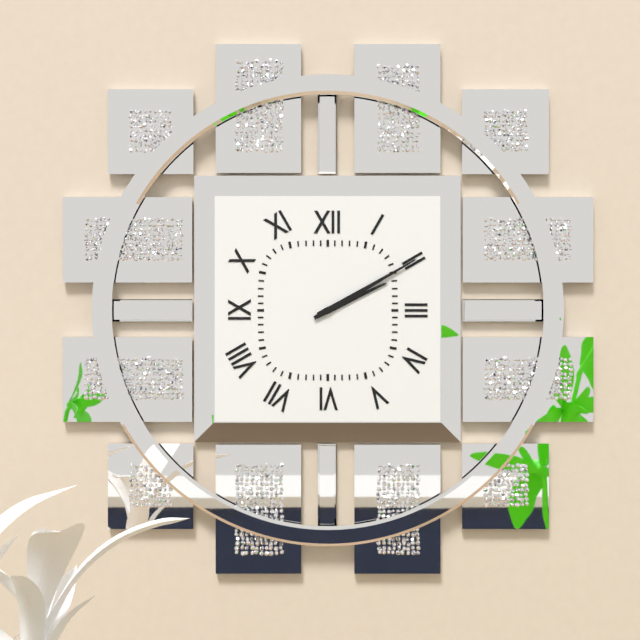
2,10
